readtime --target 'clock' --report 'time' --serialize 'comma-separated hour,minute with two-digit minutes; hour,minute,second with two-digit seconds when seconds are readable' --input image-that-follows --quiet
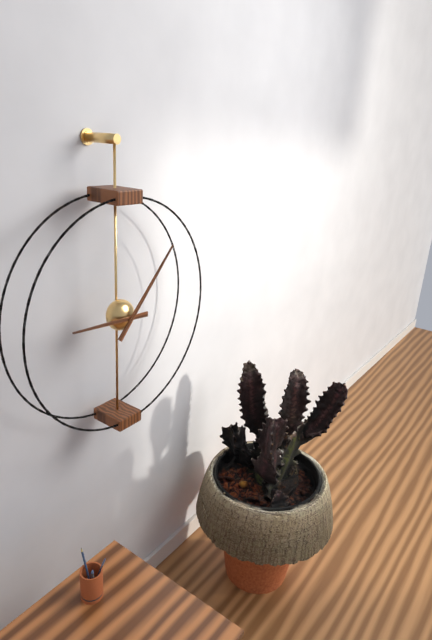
9,07
